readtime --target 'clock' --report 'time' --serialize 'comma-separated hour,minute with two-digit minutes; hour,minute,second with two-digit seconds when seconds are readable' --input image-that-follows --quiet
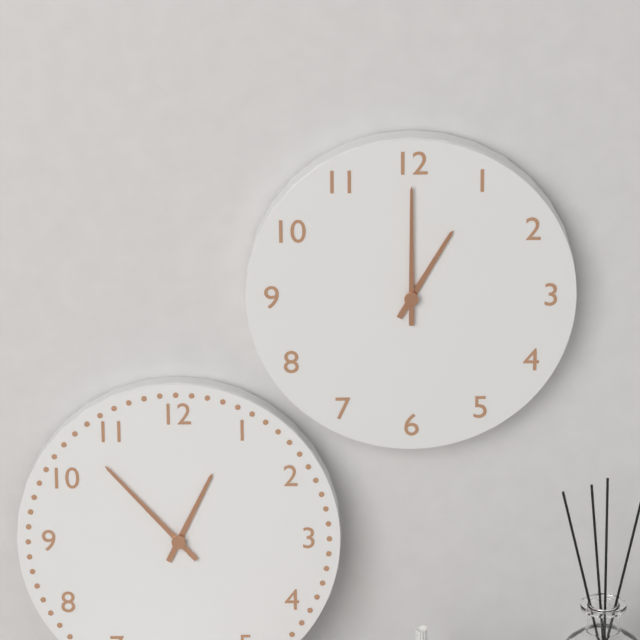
1,00
